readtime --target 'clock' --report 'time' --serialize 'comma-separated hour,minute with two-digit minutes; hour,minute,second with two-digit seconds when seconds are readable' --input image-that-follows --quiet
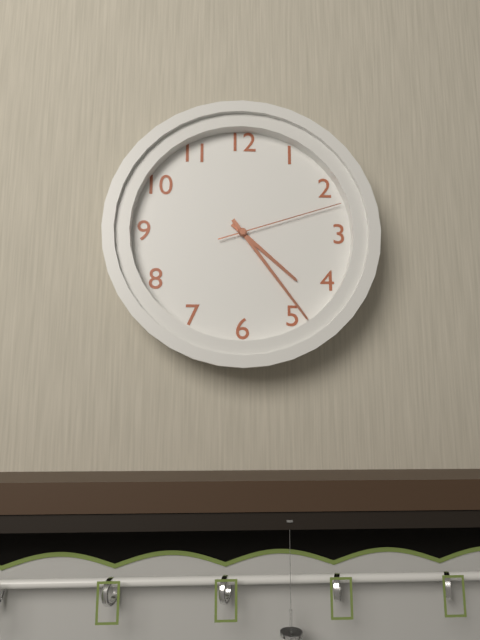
4,24,12
